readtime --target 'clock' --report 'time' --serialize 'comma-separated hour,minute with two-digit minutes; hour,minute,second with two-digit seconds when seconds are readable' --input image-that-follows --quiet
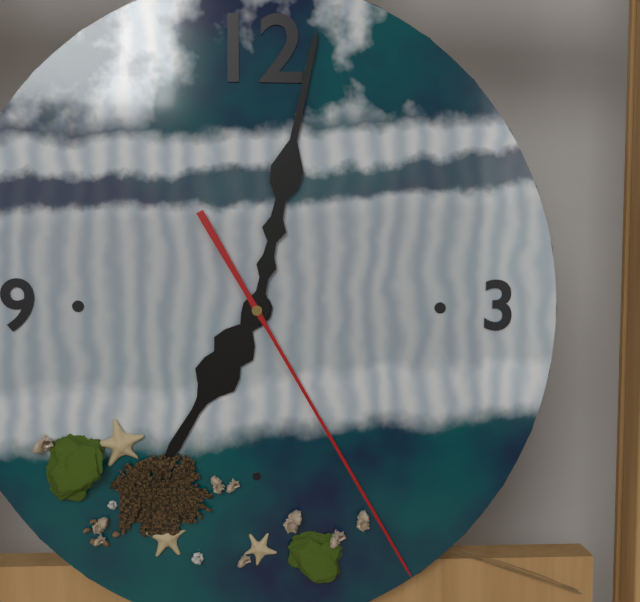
7,02,25
